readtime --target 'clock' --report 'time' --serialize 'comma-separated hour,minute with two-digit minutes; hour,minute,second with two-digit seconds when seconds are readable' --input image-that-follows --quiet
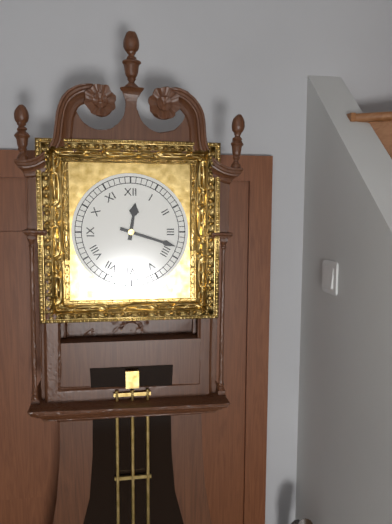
12,18
